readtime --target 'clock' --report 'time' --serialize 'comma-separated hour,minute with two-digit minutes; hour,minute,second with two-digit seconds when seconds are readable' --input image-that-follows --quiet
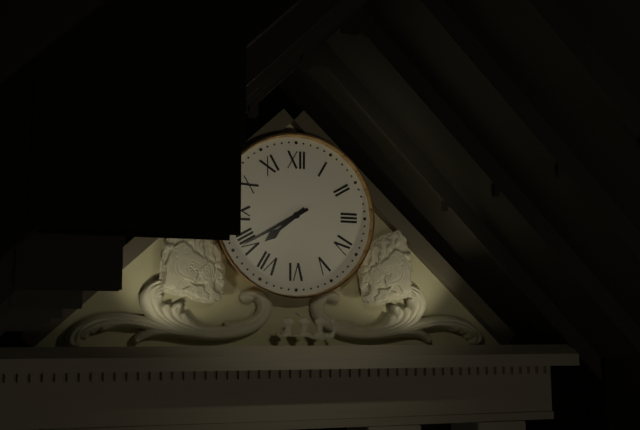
7,40
